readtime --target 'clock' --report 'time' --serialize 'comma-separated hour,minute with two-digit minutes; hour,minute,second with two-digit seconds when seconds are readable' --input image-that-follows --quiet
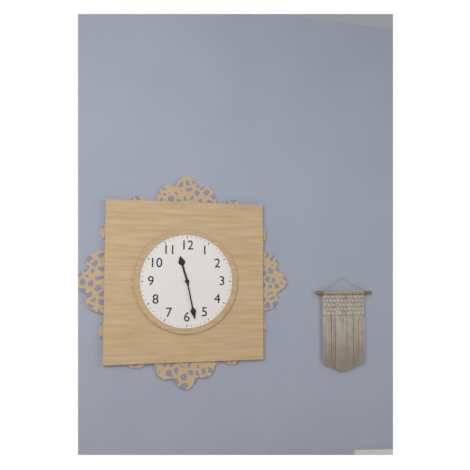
11,28
